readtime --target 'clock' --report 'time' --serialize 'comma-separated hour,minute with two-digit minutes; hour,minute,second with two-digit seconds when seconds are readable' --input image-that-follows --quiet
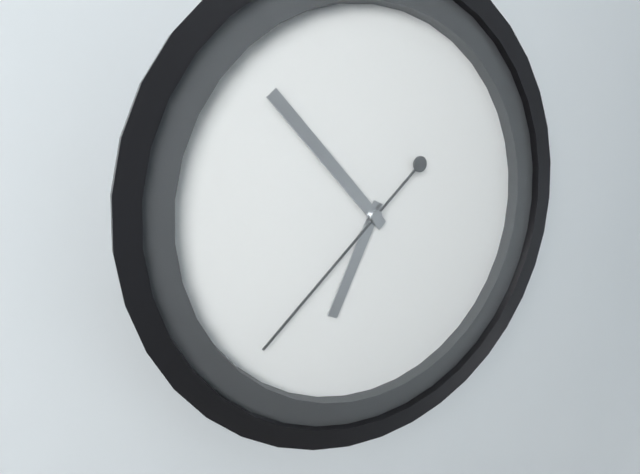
6,53,38
